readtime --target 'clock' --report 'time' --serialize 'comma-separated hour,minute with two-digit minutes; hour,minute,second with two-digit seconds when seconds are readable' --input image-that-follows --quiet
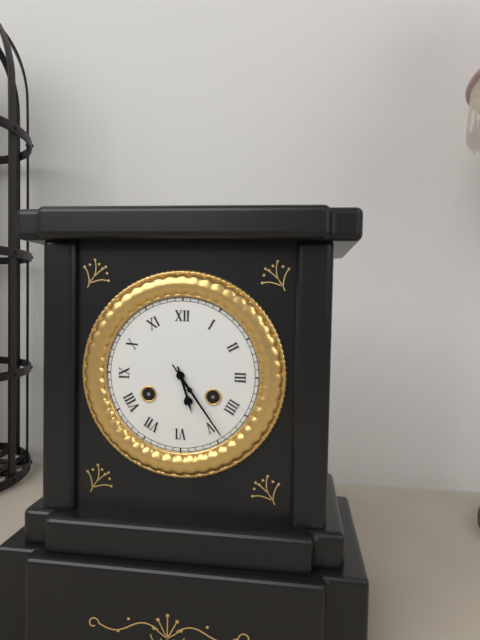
5,24
